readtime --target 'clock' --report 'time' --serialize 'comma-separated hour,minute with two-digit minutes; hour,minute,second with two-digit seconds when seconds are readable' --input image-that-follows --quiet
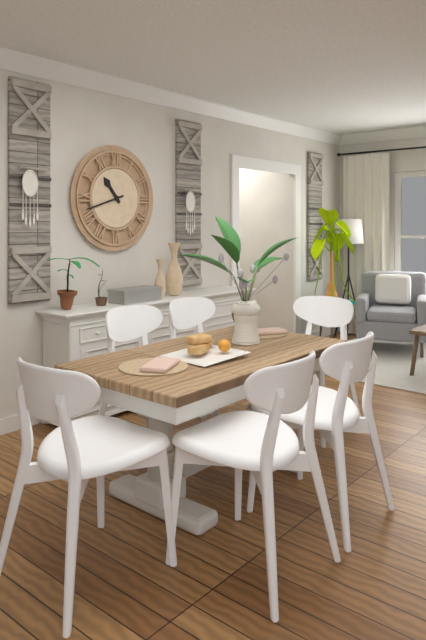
10,42
